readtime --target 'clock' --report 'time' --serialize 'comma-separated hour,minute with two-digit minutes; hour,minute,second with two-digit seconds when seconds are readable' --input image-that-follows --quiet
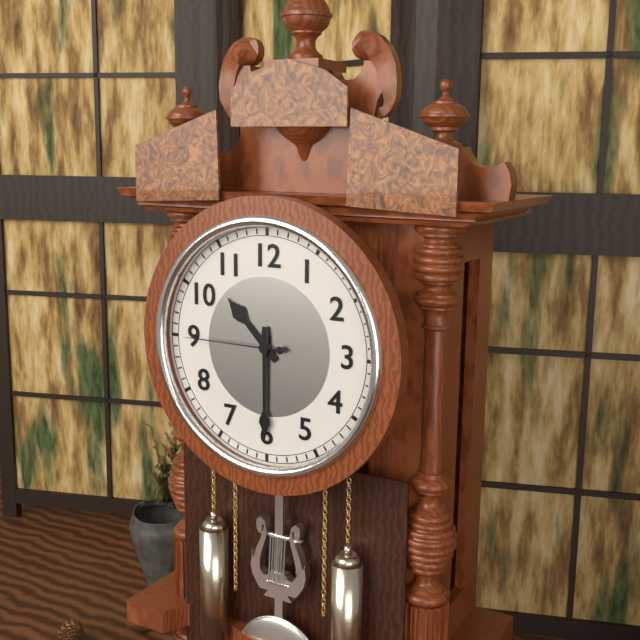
10,30,45
